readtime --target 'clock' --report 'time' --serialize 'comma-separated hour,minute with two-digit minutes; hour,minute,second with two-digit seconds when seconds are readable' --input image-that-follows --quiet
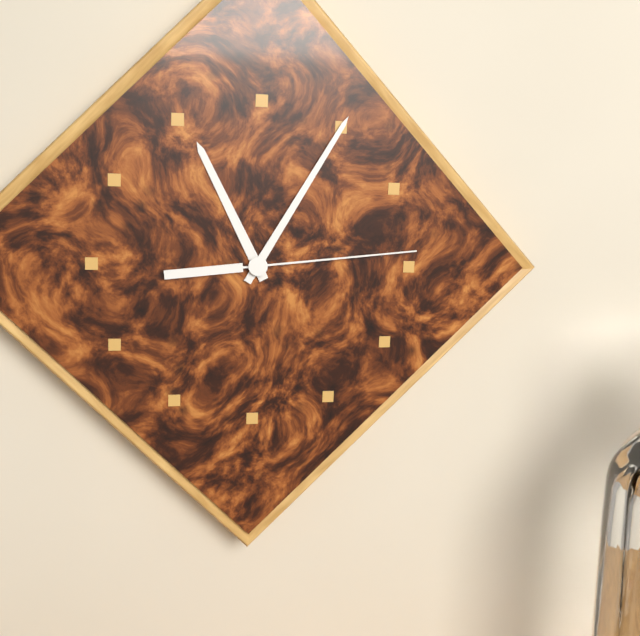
11,05,14
